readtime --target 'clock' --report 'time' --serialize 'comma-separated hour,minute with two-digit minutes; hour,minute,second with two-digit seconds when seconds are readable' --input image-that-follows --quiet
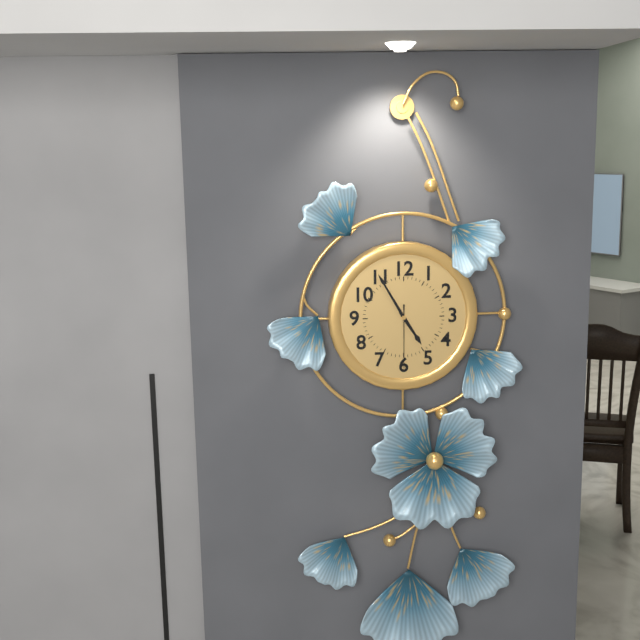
4,55,30
